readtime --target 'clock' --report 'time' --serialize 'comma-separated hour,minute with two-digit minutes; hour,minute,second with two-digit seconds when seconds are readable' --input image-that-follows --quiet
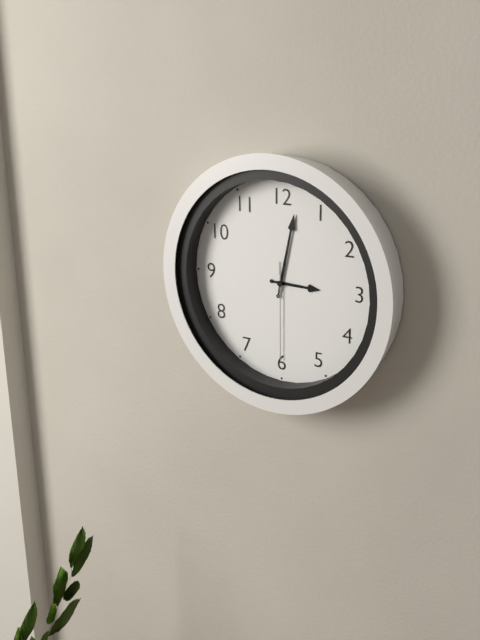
3,02,30
